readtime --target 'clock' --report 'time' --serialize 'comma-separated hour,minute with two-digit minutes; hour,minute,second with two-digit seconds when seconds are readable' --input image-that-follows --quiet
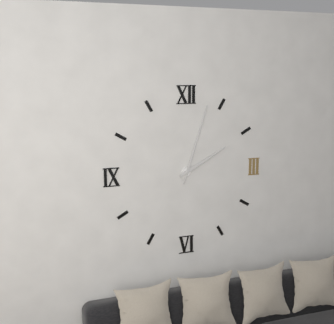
2,03
